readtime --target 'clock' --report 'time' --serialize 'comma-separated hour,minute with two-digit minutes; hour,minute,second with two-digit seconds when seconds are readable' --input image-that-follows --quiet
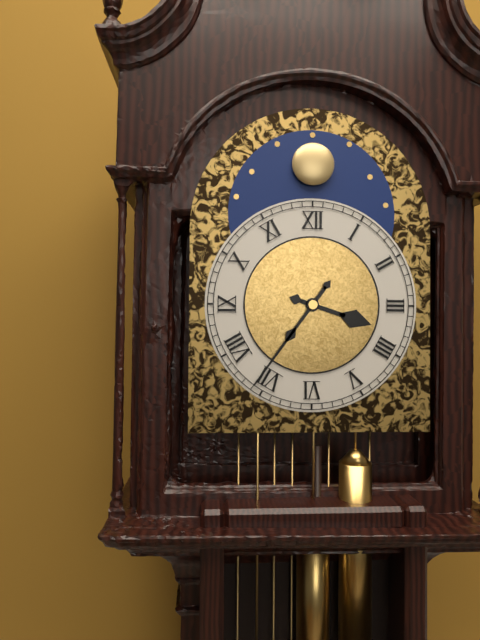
3,36
